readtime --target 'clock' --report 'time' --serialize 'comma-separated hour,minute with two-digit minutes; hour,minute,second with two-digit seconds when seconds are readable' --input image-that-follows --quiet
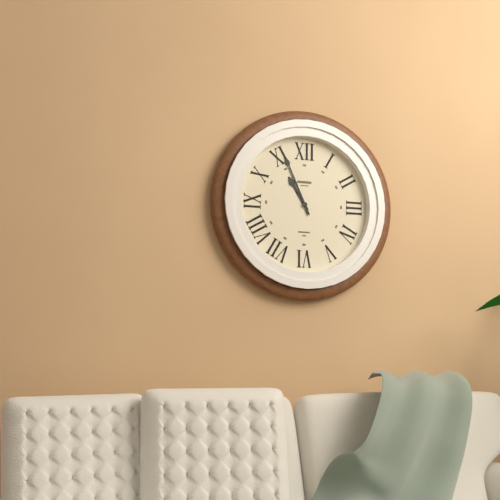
10,56
